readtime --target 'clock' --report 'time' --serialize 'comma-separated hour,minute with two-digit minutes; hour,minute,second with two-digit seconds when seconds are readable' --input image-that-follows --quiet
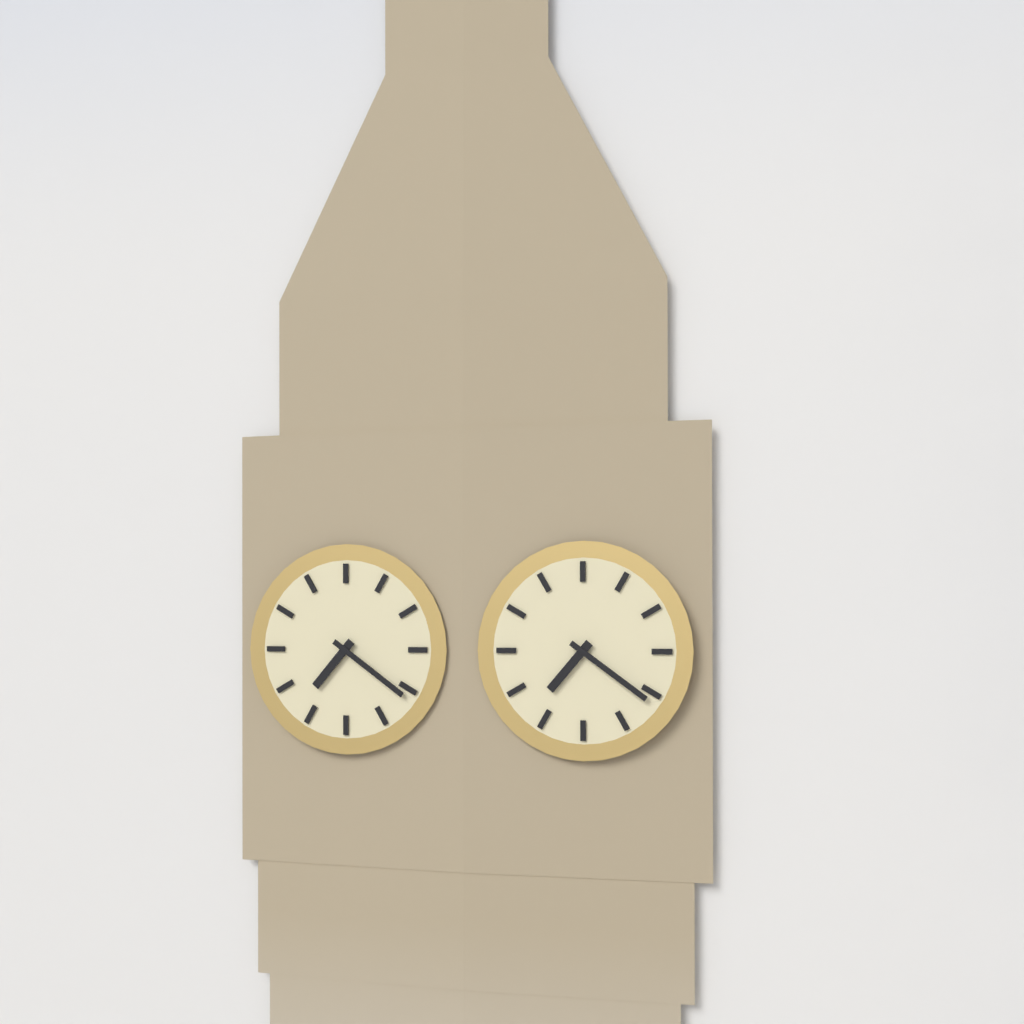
7,21
